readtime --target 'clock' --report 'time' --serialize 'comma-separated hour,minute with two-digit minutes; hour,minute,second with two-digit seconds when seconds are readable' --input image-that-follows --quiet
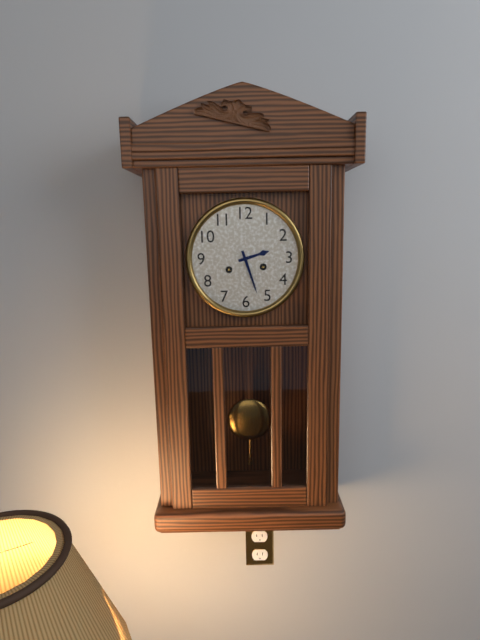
2,27
